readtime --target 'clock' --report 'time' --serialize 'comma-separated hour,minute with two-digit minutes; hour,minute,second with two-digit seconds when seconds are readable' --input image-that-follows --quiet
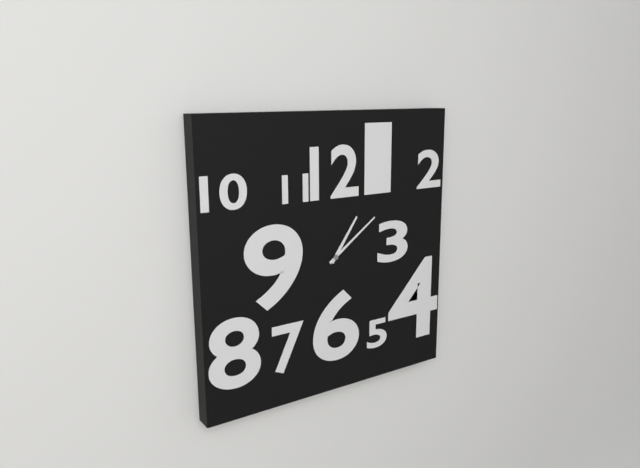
1,09
